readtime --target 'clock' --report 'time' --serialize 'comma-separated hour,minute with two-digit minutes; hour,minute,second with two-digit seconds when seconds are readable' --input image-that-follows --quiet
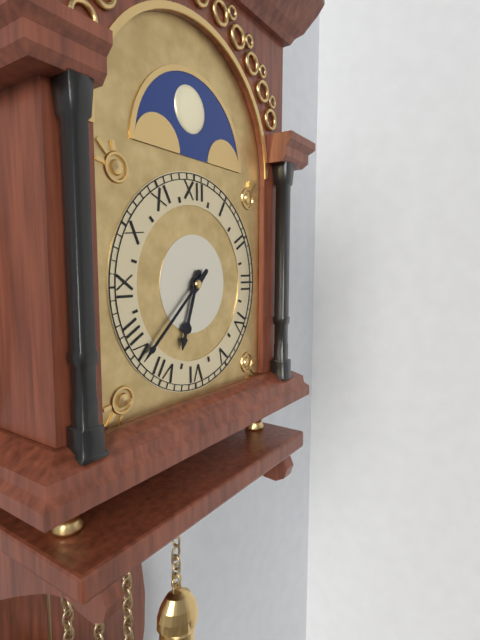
6,38
